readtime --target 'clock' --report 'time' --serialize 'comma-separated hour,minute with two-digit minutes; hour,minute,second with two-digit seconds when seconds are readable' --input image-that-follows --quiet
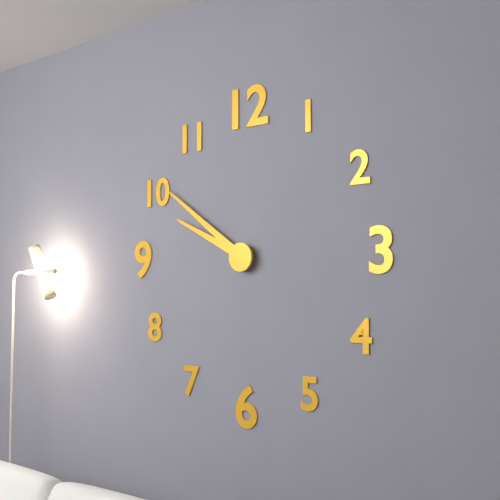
9,51
